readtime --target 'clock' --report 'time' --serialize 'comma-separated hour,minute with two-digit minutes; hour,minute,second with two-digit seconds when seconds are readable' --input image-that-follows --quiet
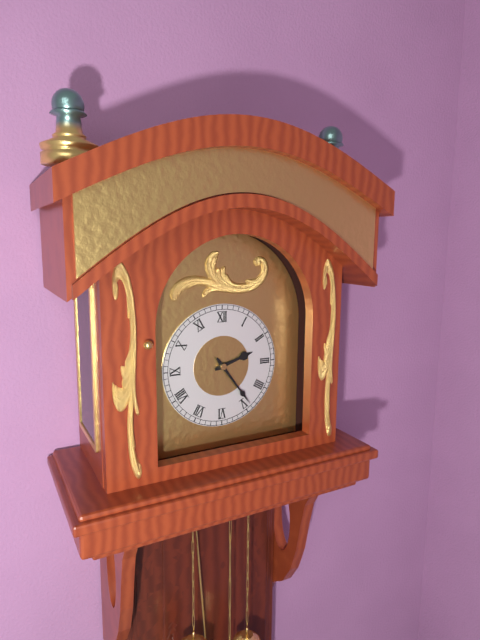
2,24
